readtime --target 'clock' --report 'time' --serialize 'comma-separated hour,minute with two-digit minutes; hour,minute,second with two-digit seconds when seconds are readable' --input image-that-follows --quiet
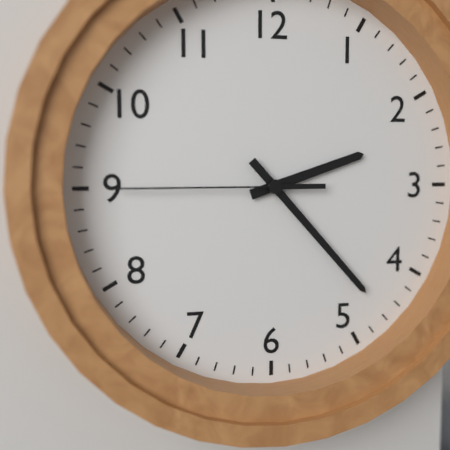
2,23,45
